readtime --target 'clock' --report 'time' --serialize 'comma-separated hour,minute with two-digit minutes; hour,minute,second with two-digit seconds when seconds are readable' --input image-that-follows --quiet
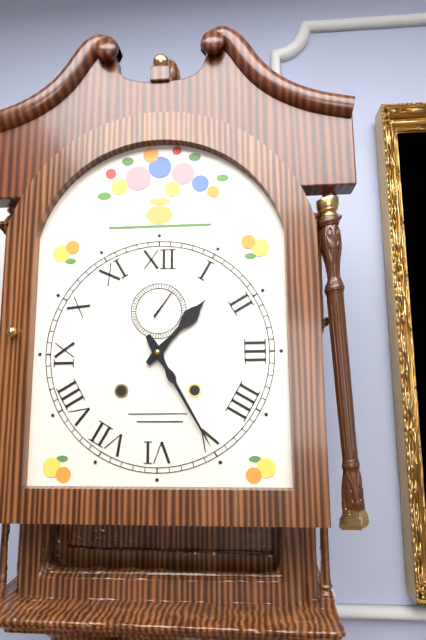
1,25
